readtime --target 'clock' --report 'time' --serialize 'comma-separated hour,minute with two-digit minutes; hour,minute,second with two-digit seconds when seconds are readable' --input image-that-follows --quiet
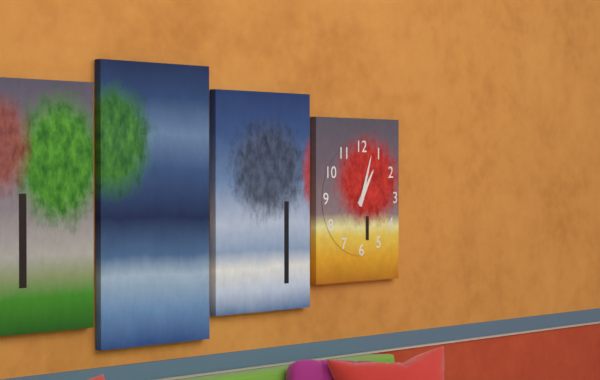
1,03
